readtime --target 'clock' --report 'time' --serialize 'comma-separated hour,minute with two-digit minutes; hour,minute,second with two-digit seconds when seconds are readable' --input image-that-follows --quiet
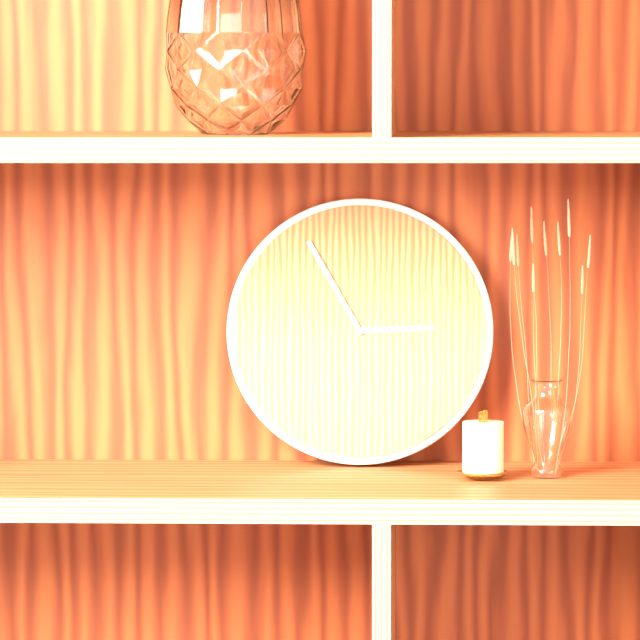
2,55
